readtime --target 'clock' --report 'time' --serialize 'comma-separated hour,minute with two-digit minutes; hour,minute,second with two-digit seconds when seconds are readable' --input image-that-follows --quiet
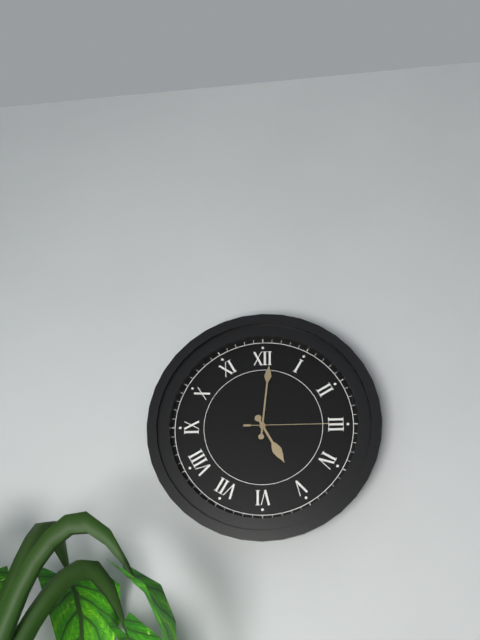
5,01,15
